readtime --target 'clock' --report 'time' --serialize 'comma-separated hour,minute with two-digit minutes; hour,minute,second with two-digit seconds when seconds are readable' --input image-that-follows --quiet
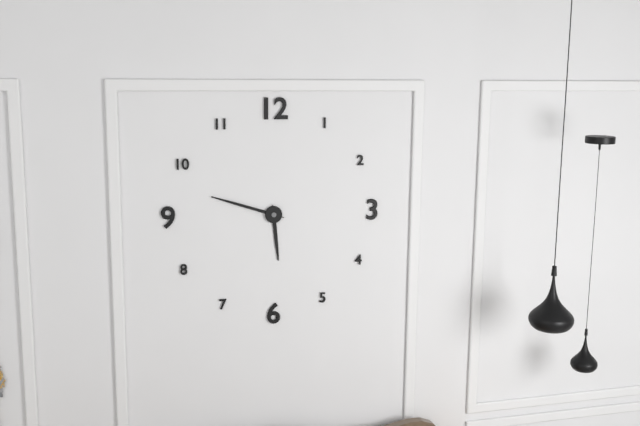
5,48
